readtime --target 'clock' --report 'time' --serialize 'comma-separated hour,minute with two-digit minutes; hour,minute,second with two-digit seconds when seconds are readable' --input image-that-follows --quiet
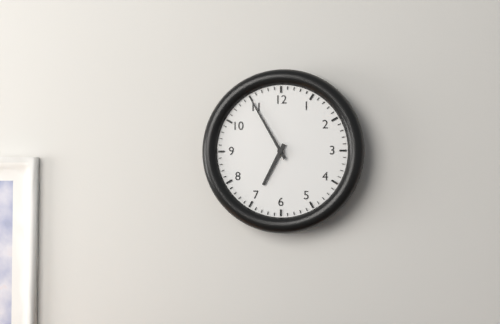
6,55
